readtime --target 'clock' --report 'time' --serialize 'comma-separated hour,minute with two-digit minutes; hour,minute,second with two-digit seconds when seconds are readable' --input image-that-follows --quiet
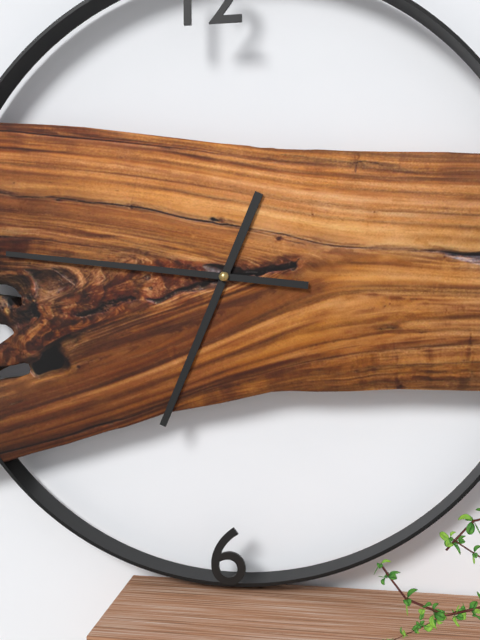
6,46
